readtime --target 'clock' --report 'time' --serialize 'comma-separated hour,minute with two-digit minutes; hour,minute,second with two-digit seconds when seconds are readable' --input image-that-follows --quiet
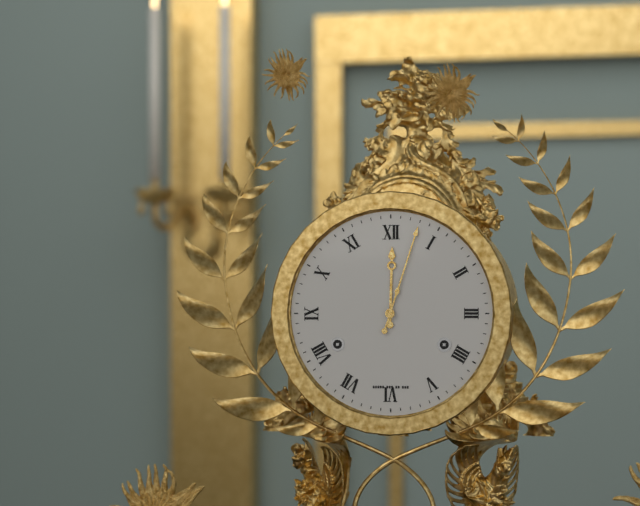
12,03
